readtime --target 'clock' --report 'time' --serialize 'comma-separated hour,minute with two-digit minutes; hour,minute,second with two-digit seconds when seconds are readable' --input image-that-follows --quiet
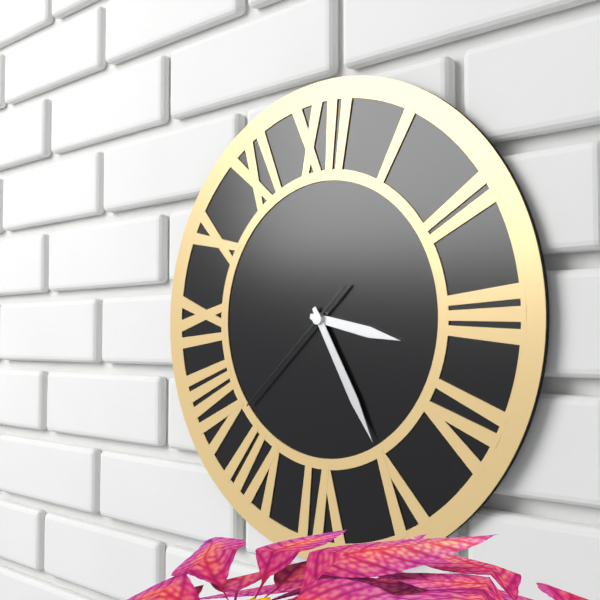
3,25,38
